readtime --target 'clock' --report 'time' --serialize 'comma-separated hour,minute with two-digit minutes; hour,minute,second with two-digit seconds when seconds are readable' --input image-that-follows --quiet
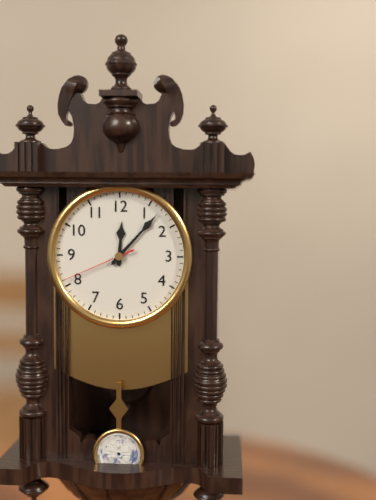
12,07,41
